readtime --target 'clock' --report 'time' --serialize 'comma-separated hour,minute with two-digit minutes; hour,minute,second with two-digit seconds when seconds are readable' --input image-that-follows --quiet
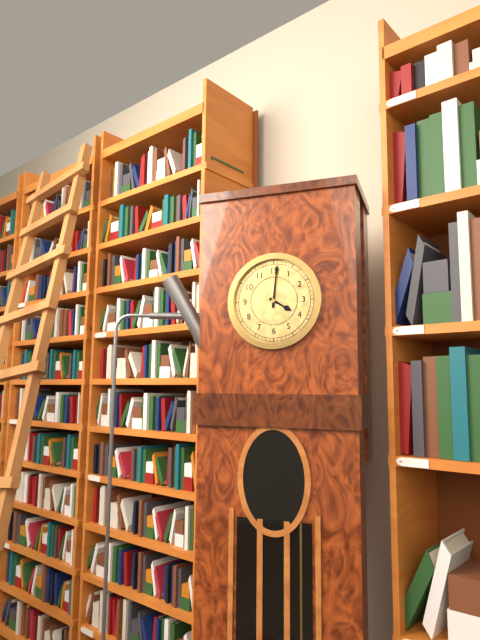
4,01
